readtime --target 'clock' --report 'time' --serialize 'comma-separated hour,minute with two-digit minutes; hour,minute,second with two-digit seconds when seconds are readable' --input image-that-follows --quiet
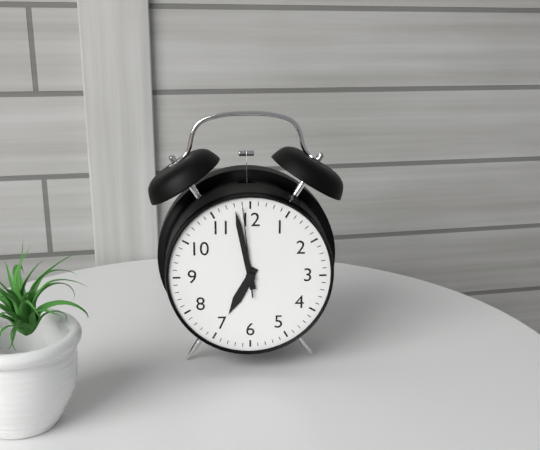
6,58,59
